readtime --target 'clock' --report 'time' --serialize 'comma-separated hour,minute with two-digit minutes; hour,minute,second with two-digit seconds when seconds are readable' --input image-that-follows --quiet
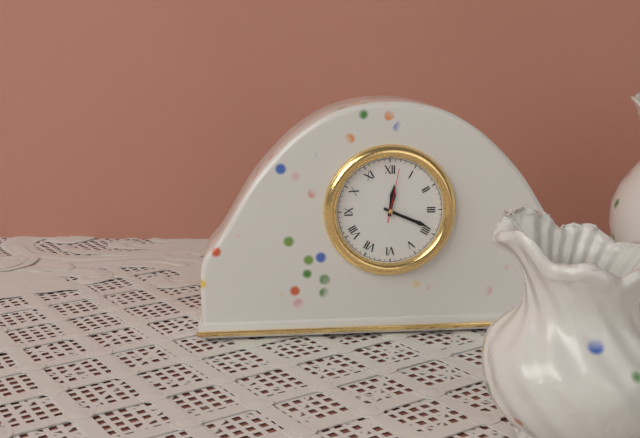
12,19,02
